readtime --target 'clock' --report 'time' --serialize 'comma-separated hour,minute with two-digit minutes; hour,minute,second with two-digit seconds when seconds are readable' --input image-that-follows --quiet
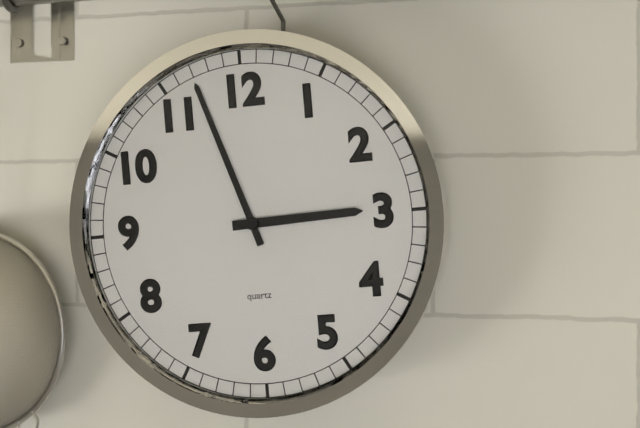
2,57
